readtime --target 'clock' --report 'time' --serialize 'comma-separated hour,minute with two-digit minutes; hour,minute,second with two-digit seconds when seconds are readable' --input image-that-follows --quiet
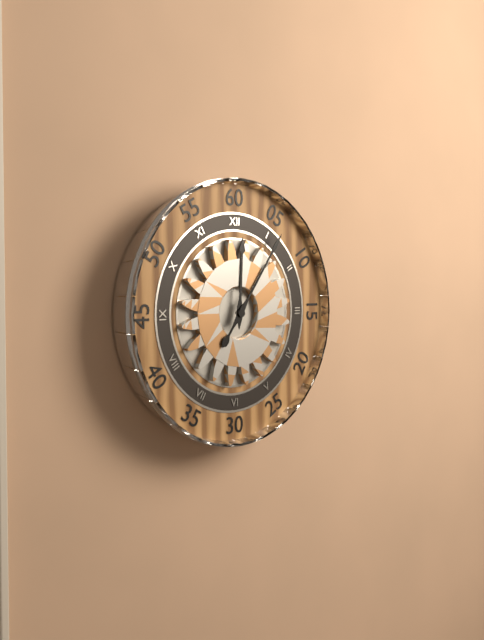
12,06
